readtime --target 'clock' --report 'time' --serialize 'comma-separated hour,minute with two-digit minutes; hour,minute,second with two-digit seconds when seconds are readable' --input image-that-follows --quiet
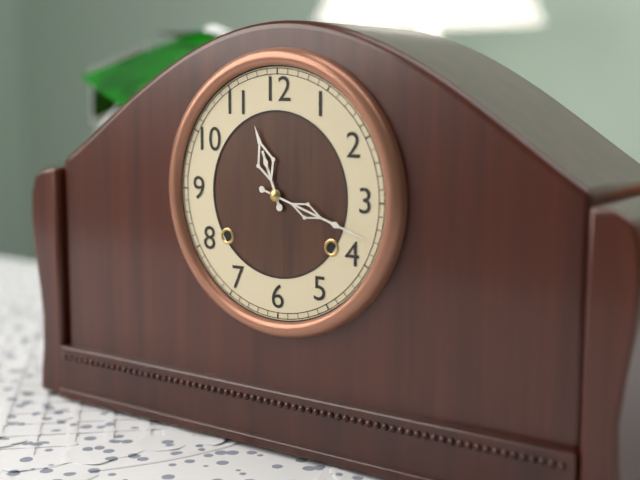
11,18
